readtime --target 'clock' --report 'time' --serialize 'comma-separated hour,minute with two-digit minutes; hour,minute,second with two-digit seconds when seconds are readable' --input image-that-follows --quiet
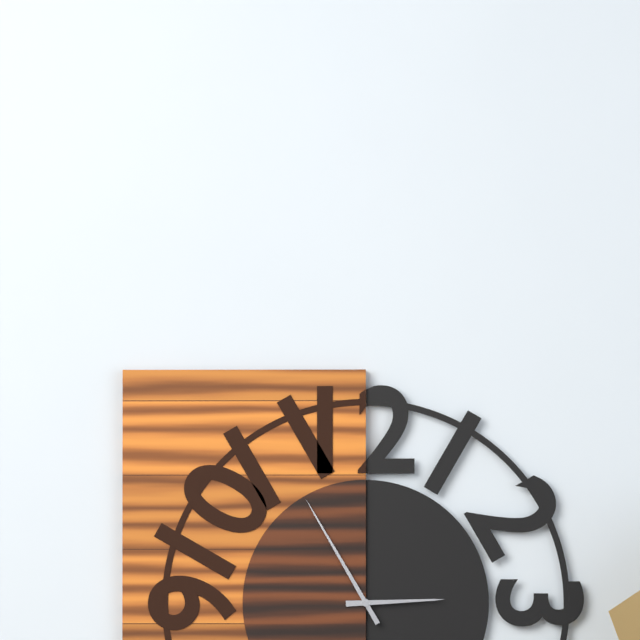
2,55
